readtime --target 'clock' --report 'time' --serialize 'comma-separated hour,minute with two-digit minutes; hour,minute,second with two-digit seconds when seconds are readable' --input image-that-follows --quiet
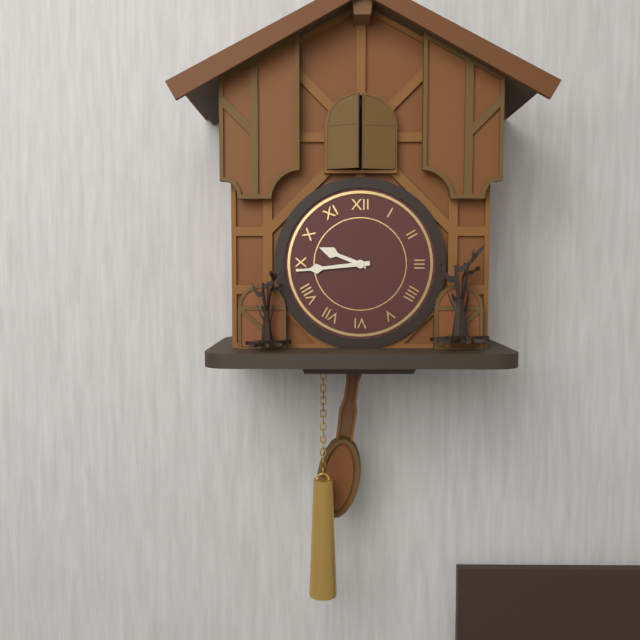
9,44
